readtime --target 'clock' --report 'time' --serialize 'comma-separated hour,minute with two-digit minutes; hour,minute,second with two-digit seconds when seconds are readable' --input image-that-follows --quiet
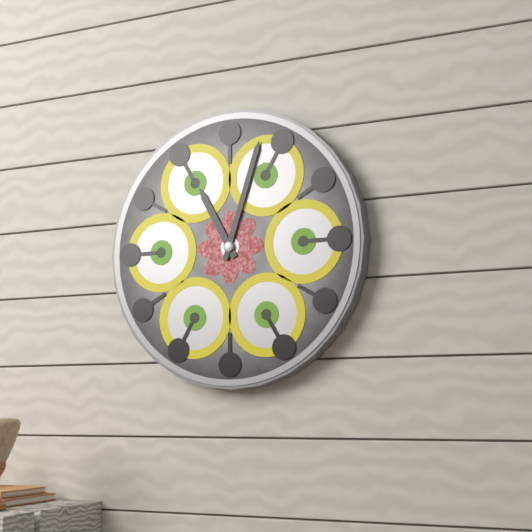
11,03
